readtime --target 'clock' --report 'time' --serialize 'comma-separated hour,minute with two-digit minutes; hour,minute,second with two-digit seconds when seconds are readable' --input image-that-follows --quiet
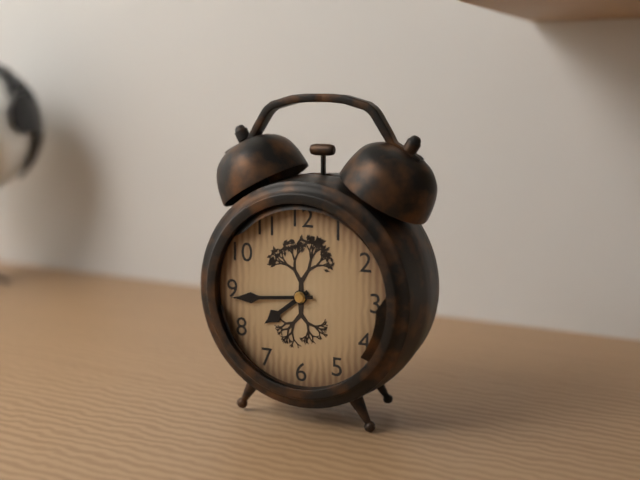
7,44
